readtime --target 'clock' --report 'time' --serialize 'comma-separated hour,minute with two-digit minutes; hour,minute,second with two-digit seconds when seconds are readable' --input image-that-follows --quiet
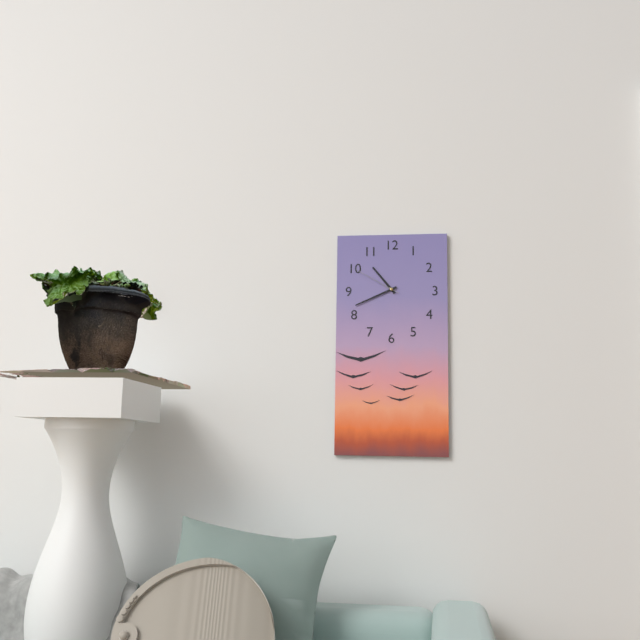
10,41,50
